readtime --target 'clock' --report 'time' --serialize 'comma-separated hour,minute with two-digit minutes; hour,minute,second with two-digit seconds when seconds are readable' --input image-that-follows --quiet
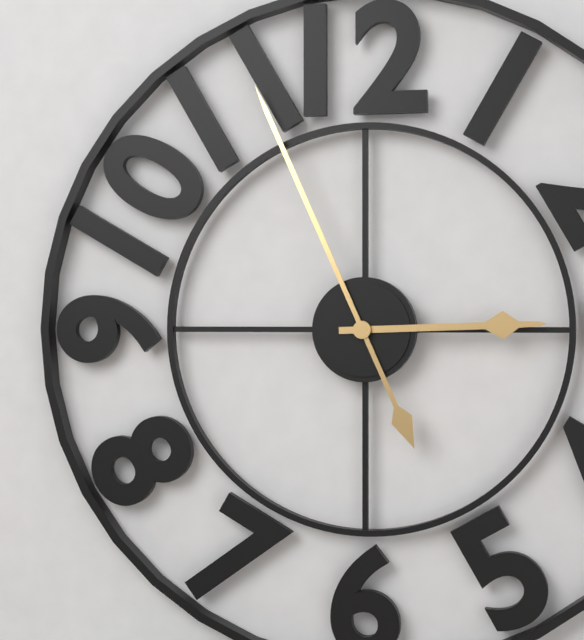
2,56
